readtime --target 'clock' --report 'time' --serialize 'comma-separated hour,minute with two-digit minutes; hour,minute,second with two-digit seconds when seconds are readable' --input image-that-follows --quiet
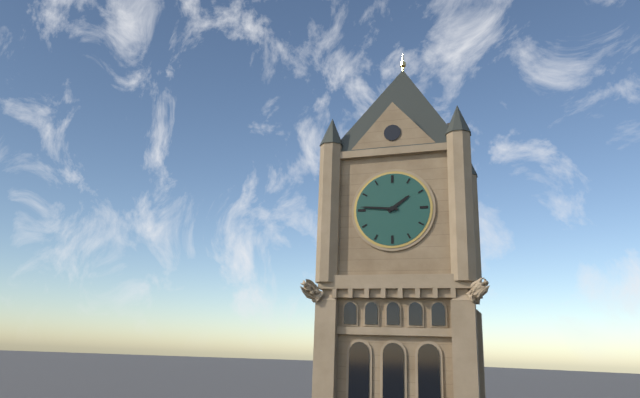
1,46
